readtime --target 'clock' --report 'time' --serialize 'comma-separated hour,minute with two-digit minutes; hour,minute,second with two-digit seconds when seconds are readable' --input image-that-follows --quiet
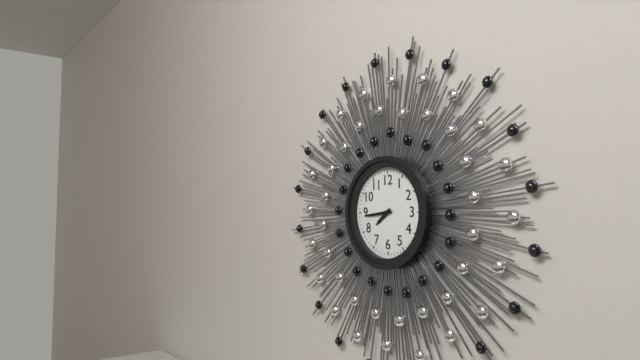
7,44
